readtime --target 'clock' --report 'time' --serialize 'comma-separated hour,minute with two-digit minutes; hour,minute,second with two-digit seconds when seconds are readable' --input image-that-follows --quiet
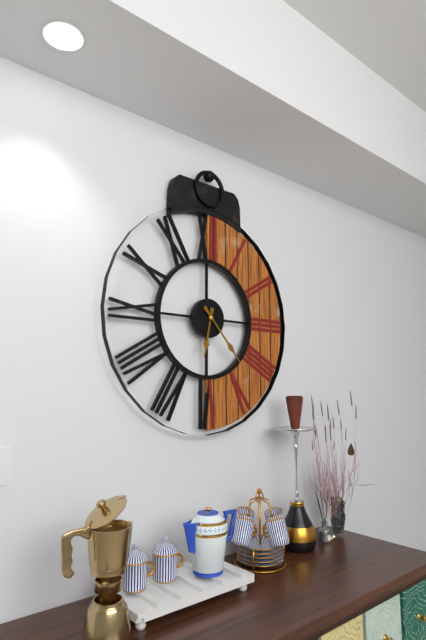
6,23
